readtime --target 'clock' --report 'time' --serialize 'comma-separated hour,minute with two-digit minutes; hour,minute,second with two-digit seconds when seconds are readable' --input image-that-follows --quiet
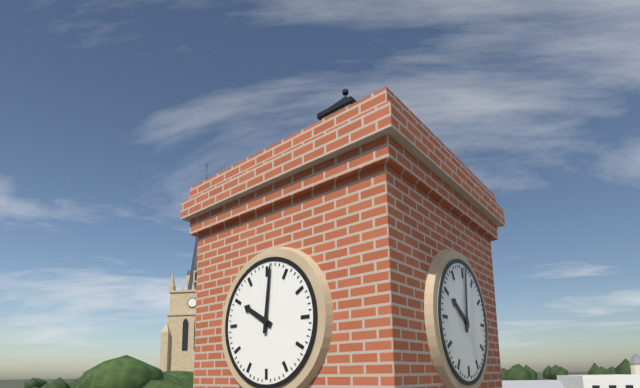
10,01
